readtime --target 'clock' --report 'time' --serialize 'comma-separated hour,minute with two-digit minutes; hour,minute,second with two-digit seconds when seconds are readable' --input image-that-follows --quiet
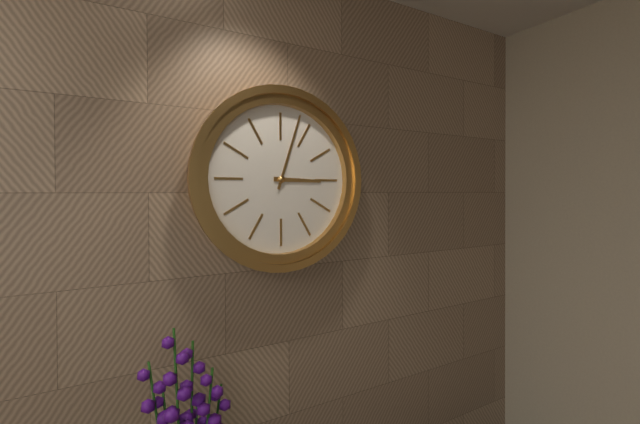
3,03
